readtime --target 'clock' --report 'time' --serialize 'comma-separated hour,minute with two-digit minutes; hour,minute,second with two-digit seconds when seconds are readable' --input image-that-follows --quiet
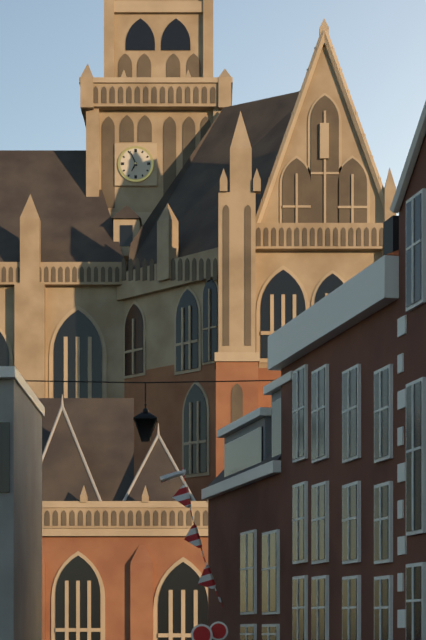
6,56
